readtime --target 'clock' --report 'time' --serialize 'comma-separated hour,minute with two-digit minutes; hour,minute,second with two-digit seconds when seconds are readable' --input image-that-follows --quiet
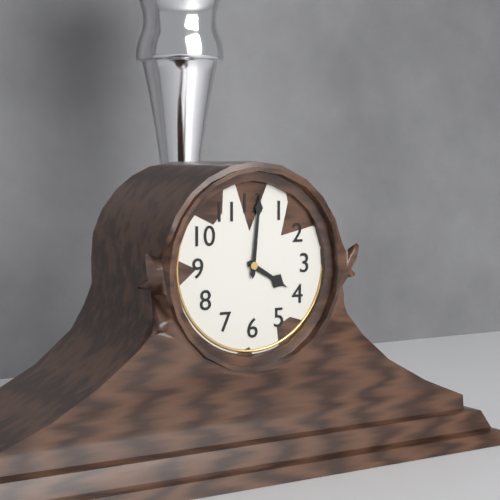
4,01
